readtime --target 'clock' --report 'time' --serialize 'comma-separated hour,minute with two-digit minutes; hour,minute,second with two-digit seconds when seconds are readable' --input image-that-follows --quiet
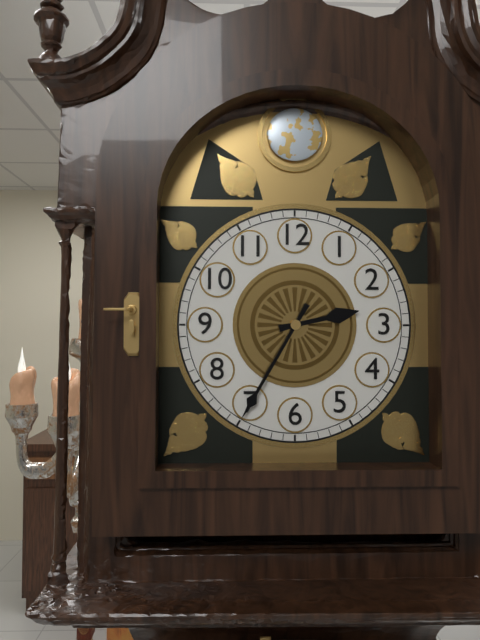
2,35
